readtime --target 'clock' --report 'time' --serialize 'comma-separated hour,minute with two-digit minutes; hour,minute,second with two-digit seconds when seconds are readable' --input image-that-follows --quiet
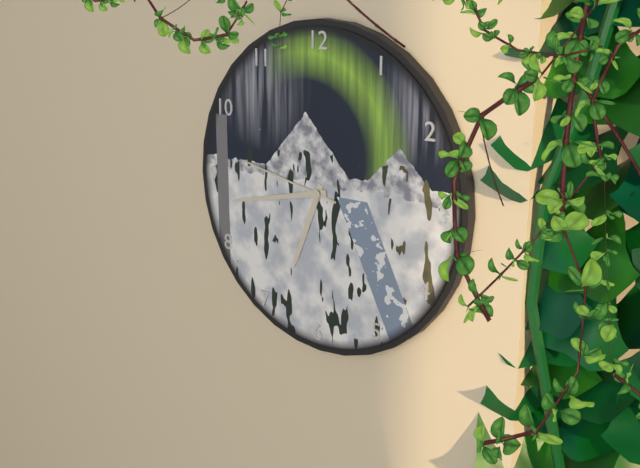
6,43,47
